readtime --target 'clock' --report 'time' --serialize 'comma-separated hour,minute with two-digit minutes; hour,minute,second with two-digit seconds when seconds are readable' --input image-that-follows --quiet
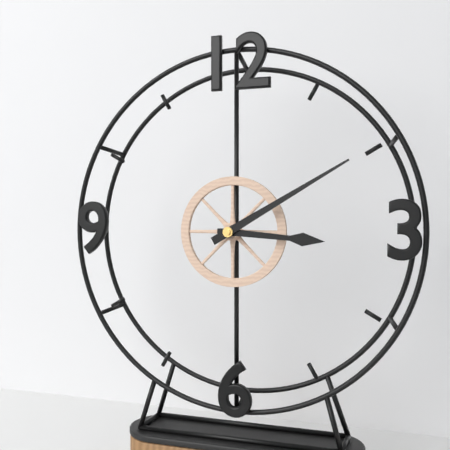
3,10
